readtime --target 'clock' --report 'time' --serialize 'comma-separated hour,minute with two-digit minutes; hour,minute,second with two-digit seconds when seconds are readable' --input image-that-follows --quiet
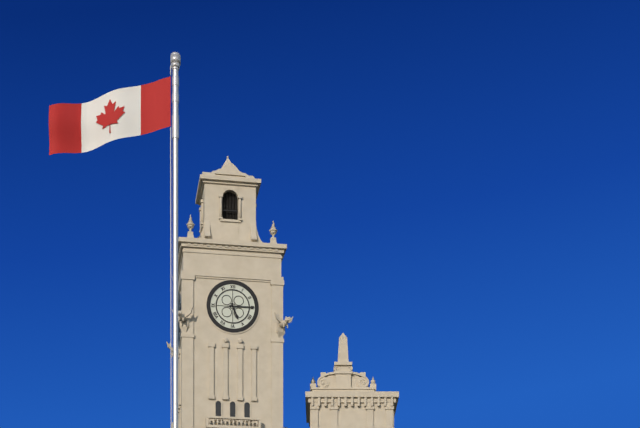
5,15
